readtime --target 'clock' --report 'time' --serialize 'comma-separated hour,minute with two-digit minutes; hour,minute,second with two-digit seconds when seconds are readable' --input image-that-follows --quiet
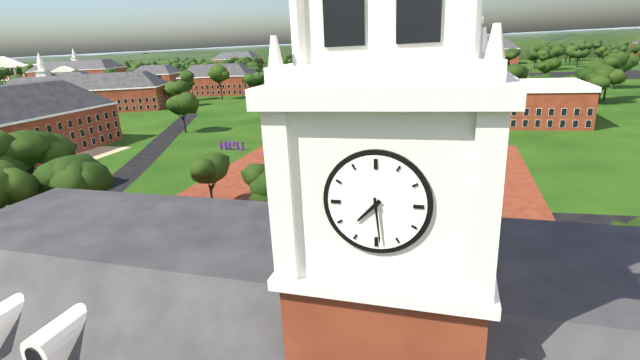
7,29
